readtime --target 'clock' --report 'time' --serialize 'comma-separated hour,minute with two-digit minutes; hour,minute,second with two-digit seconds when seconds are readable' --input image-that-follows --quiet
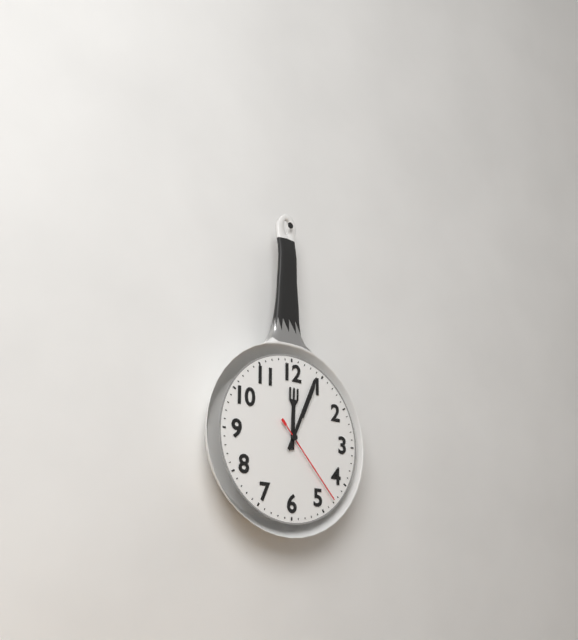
12,04,23
